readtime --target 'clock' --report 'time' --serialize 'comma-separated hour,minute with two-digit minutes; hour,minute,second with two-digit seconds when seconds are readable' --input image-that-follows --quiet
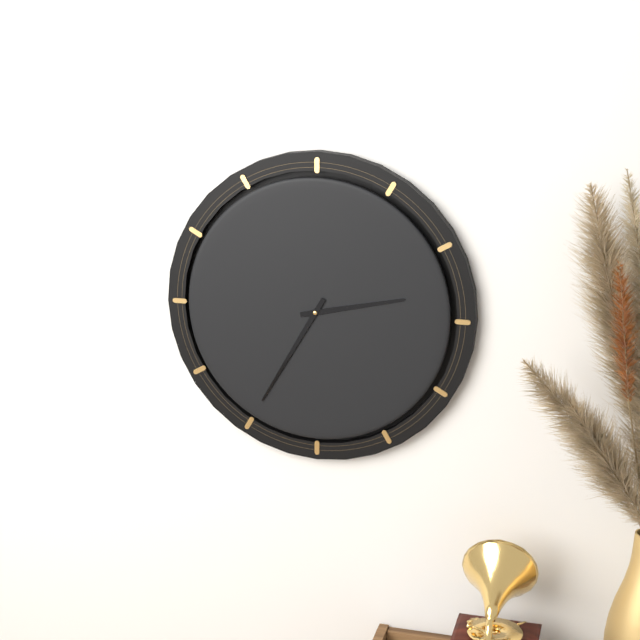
2,35
